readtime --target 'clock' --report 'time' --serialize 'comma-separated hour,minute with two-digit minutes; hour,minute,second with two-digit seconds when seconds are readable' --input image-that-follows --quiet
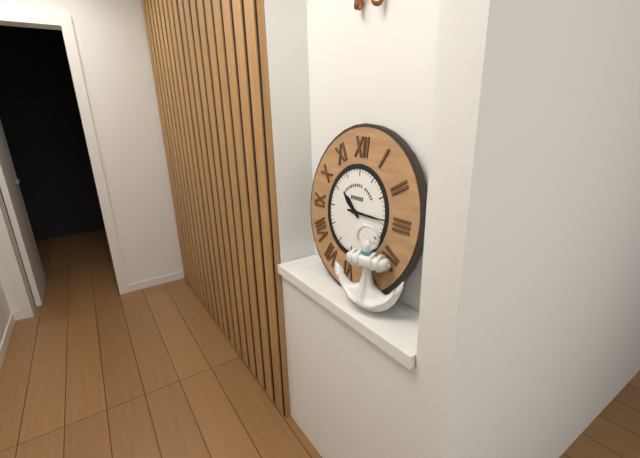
10,15
